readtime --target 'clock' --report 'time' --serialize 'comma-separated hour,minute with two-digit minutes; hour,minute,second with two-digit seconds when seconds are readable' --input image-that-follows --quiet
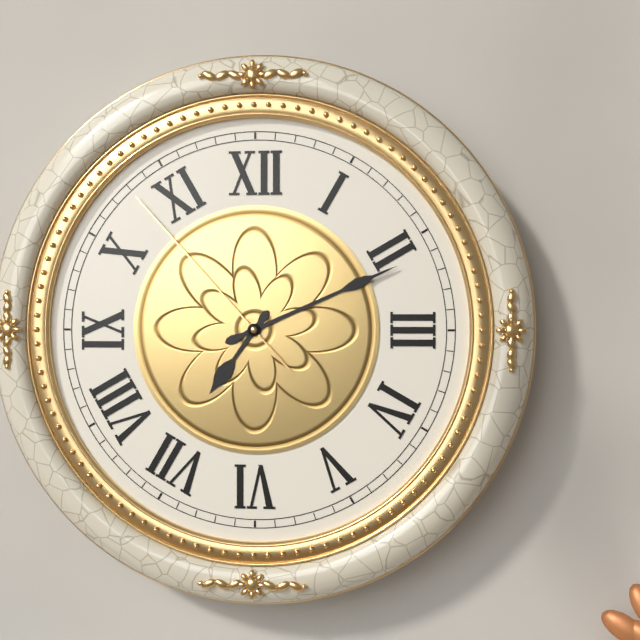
7,11,53
